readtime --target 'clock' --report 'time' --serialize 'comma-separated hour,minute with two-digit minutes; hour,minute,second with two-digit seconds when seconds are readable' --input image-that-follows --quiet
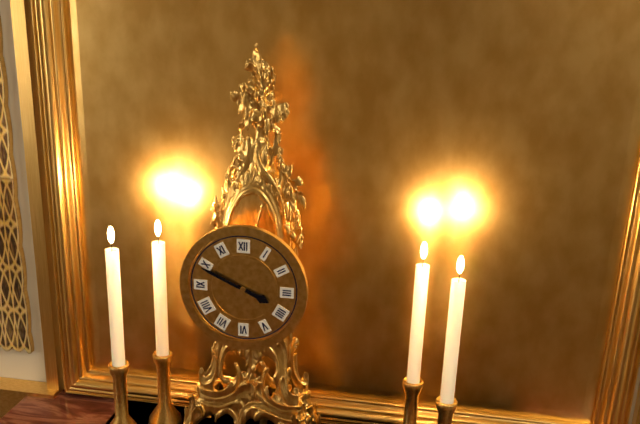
3,49
